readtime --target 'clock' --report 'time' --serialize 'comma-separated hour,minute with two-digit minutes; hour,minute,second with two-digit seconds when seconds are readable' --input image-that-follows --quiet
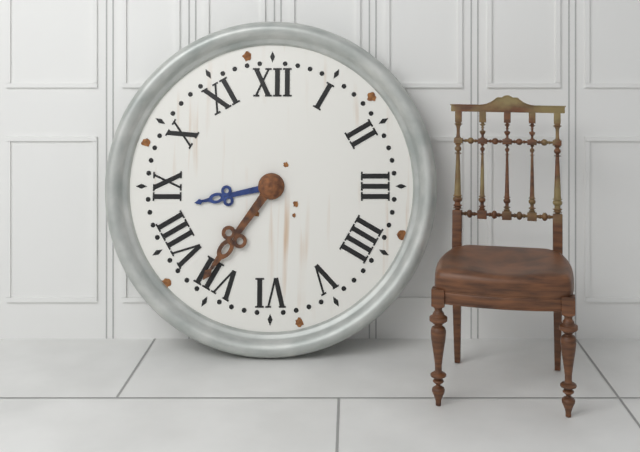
8,36
